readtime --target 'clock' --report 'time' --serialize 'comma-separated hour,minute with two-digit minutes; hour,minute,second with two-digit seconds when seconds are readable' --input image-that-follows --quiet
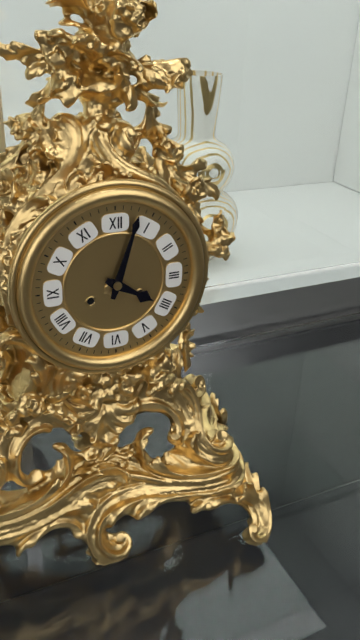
4,03
